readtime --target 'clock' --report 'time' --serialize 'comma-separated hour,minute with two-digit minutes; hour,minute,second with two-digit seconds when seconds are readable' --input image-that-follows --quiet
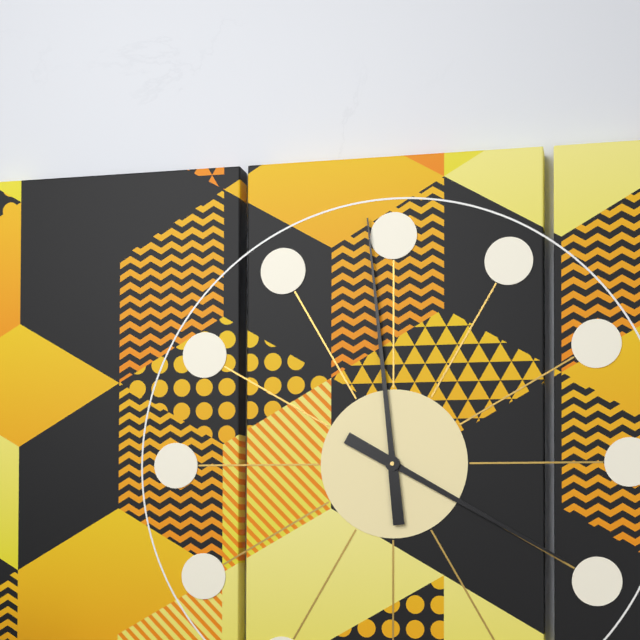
3,59
